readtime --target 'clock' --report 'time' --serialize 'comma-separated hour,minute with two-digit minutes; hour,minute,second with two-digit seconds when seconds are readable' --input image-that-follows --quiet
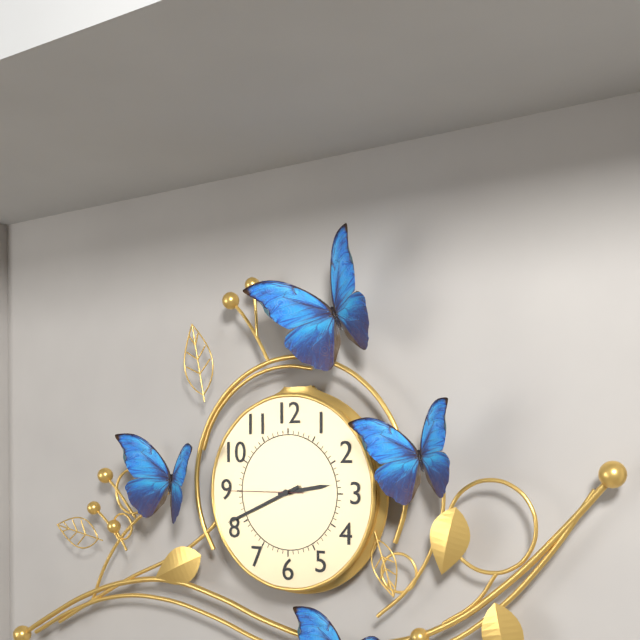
2,41,45
